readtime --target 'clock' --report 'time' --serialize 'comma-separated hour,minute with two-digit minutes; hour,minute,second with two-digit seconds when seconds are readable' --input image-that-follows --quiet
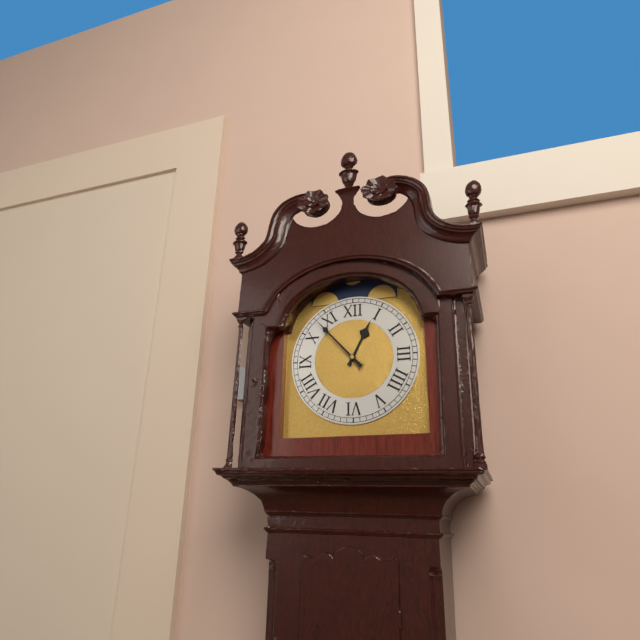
12,53
